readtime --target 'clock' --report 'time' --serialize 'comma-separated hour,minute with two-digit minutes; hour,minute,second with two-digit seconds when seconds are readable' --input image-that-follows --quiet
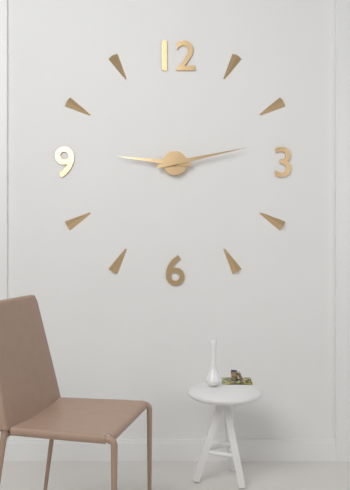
9,13
